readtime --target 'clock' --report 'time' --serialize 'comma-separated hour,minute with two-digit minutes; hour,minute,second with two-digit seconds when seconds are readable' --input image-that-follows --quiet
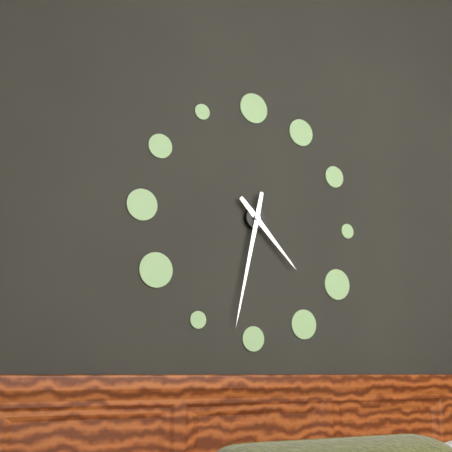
4,32
